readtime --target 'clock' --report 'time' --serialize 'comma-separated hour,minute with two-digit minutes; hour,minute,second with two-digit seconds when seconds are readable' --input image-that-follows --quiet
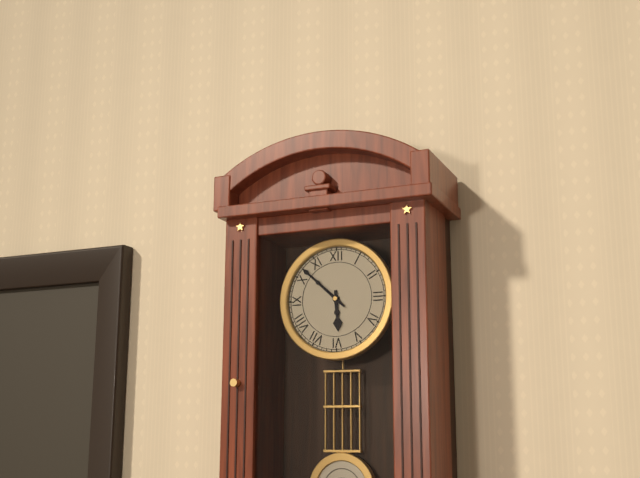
5,52
